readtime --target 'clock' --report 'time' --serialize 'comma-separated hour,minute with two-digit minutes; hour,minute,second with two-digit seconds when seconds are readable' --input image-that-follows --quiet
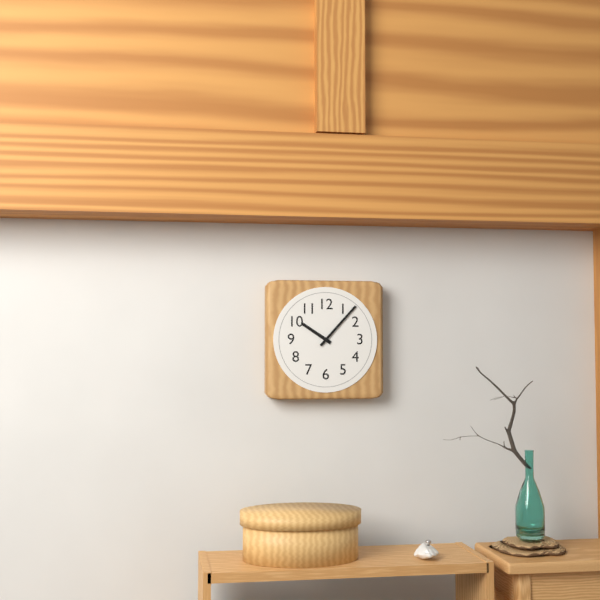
10,07
